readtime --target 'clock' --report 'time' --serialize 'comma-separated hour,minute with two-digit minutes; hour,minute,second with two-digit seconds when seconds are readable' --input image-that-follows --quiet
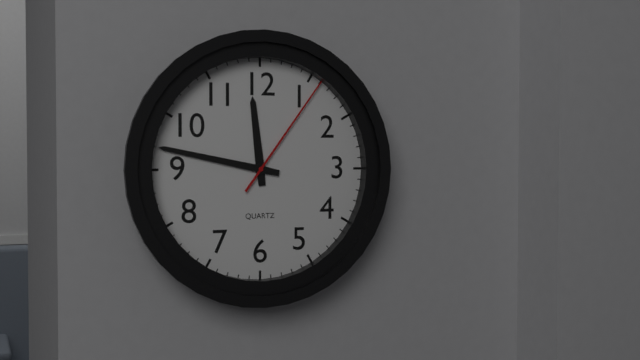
11,47,06
